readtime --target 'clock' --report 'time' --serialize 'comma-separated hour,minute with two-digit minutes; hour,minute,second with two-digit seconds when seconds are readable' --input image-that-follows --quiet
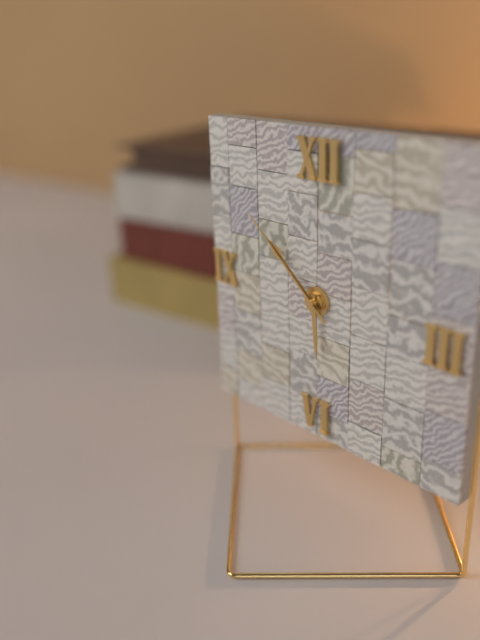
5,52,52
